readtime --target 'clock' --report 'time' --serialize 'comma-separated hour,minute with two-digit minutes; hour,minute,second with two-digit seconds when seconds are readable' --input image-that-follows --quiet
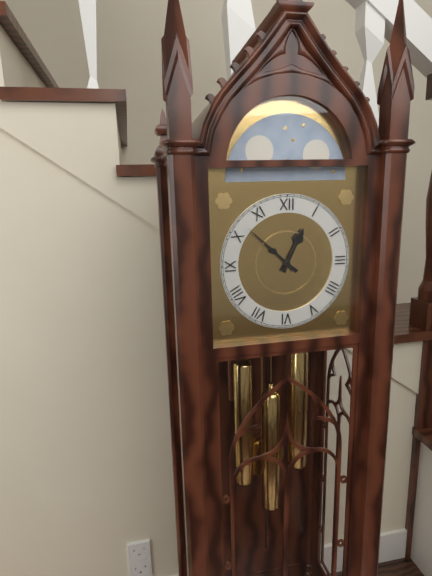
12,52
